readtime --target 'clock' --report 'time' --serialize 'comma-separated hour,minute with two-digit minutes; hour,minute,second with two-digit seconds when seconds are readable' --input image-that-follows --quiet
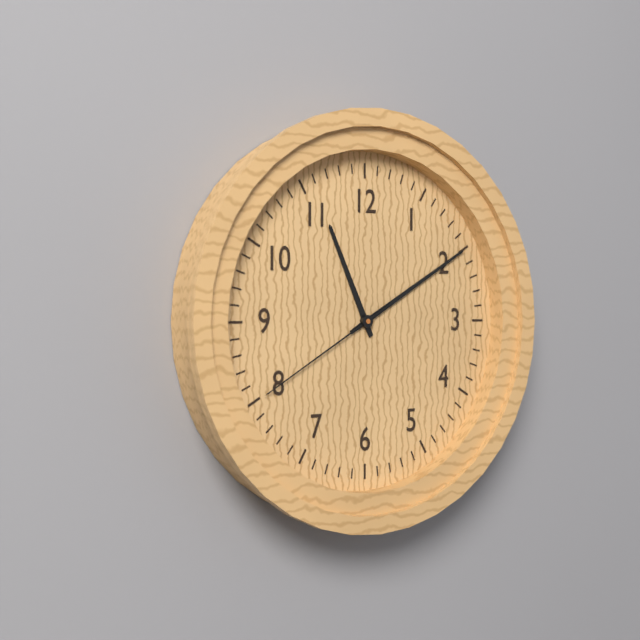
11,10,40
